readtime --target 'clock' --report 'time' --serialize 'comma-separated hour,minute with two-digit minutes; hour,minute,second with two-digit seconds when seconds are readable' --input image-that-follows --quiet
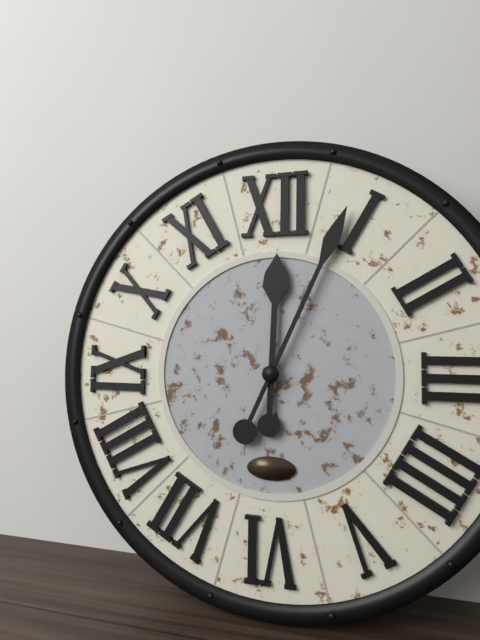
12,04
